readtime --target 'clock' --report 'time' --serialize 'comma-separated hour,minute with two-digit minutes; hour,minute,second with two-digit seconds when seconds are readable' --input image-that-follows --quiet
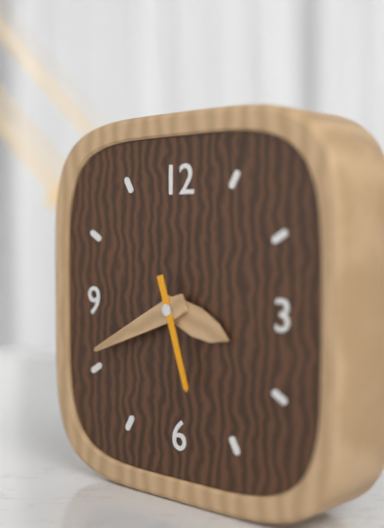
3,41,27
